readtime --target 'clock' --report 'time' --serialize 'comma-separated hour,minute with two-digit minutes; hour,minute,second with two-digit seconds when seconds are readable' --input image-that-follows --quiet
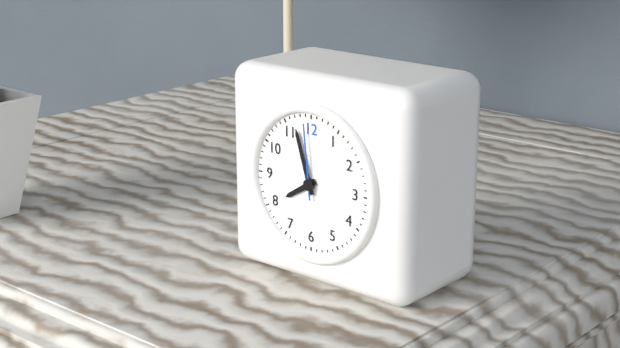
7,57,59
